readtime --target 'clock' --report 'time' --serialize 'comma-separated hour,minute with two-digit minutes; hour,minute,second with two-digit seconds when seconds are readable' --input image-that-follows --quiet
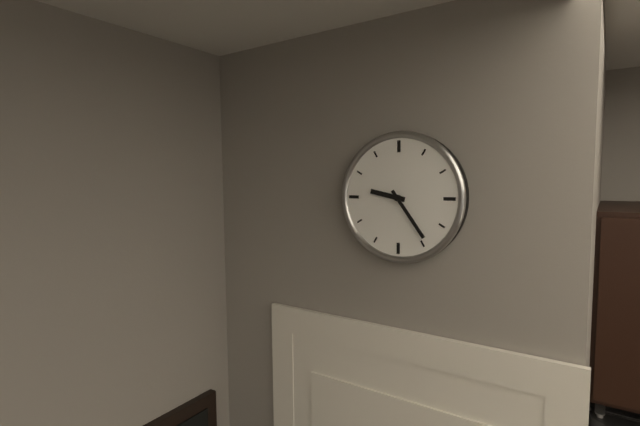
9,24
